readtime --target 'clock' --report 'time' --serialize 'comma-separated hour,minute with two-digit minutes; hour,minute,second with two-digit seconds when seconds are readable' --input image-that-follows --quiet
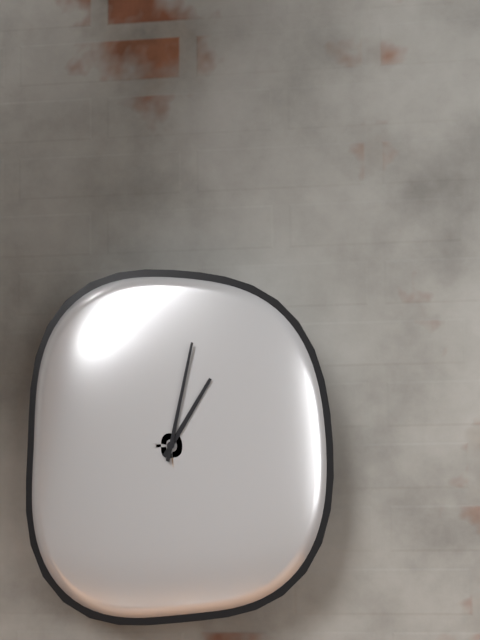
1,02
